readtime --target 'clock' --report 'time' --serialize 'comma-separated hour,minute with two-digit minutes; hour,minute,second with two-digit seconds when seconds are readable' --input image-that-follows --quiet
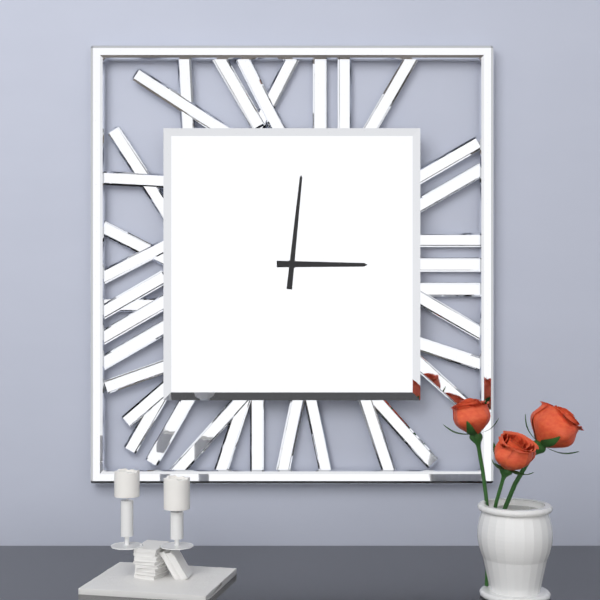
3,01
